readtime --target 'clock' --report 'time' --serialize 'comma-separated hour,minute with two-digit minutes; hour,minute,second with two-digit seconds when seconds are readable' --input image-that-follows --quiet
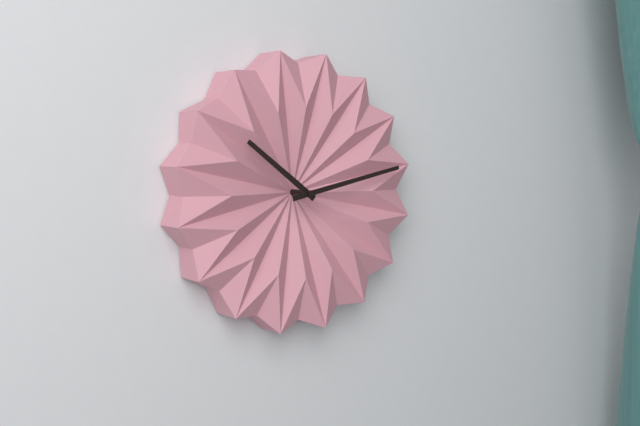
10,13
